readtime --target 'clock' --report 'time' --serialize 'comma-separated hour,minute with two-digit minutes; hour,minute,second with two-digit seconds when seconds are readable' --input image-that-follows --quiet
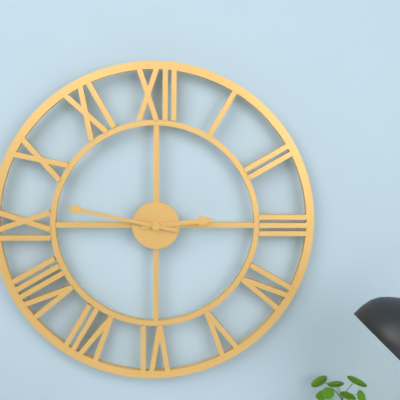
2,47
